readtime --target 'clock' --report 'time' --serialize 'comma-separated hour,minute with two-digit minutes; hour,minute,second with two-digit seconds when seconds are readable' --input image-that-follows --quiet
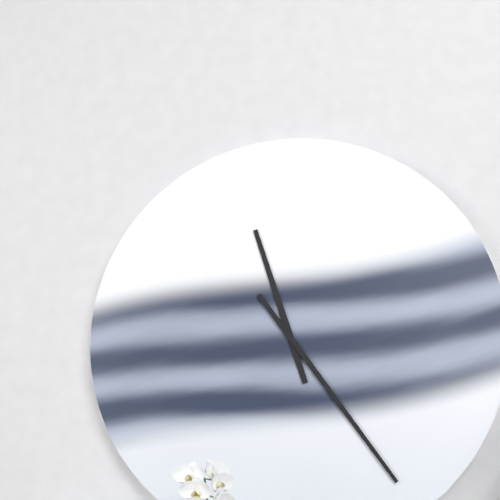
11,24
